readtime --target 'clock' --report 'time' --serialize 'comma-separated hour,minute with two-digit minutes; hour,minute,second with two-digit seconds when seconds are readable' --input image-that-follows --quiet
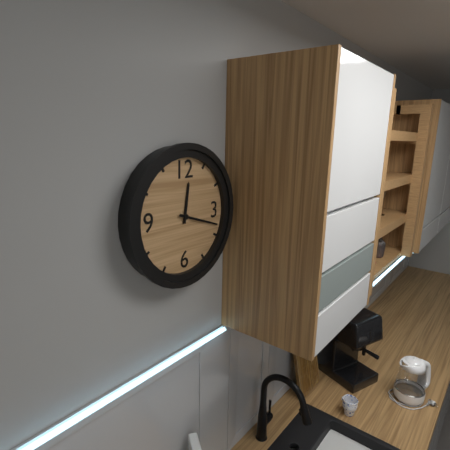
12,18
